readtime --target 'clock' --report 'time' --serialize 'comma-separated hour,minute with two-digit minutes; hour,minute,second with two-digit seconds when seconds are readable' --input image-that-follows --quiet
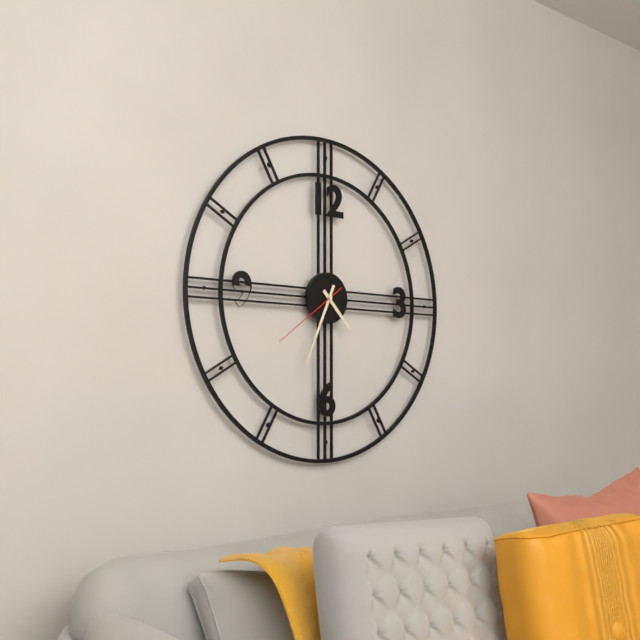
4,34,39
